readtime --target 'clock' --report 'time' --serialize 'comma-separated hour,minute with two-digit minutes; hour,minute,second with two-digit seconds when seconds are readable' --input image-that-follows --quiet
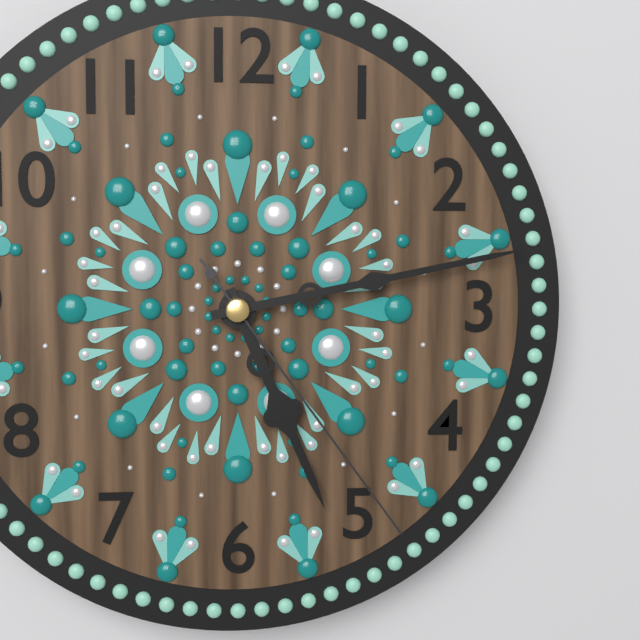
5,13,24
